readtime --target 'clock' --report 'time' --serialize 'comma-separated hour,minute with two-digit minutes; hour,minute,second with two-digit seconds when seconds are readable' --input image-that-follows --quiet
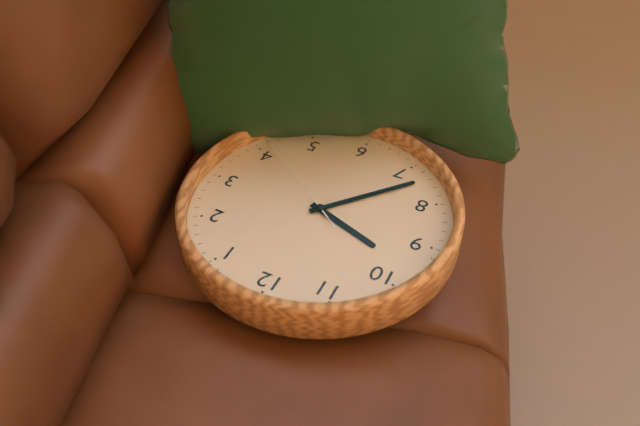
9,37,21
